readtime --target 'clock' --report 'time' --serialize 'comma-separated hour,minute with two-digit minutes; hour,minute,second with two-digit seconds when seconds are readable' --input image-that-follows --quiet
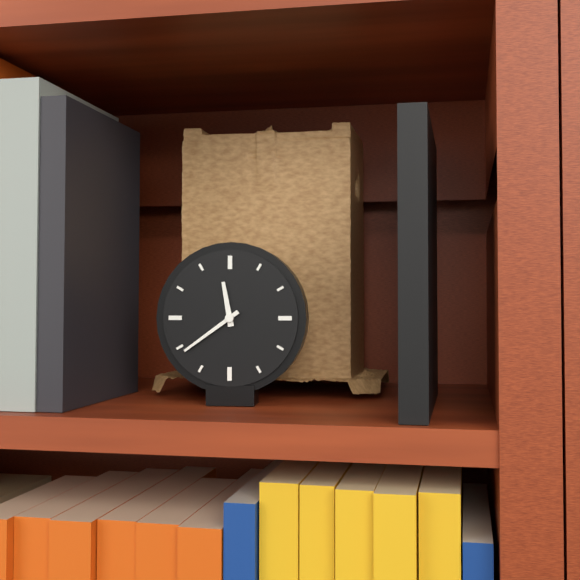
11,39
